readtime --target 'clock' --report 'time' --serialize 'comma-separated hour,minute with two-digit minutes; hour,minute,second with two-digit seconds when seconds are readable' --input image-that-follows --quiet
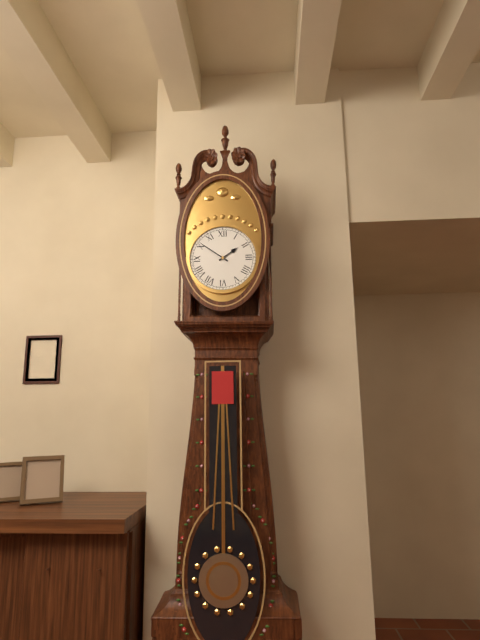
1,51
